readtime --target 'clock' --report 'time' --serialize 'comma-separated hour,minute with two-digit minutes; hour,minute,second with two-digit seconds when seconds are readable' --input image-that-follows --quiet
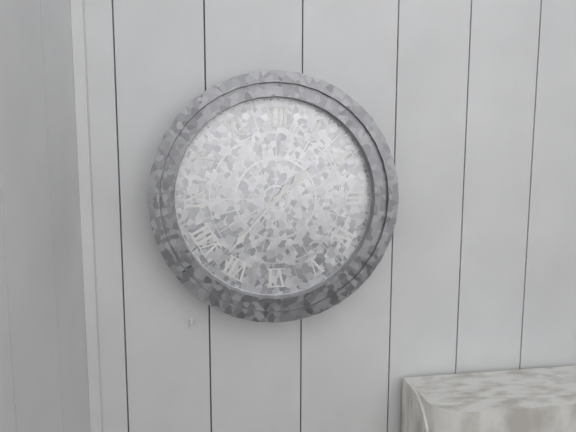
1,37
